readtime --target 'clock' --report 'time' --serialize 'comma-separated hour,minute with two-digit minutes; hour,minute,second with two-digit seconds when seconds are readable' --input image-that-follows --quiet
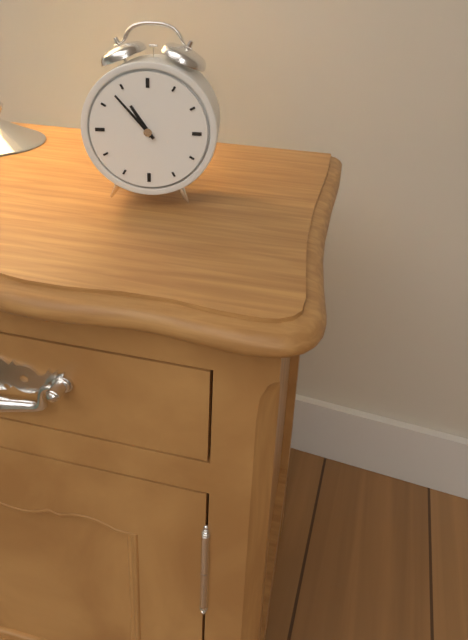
10,53
